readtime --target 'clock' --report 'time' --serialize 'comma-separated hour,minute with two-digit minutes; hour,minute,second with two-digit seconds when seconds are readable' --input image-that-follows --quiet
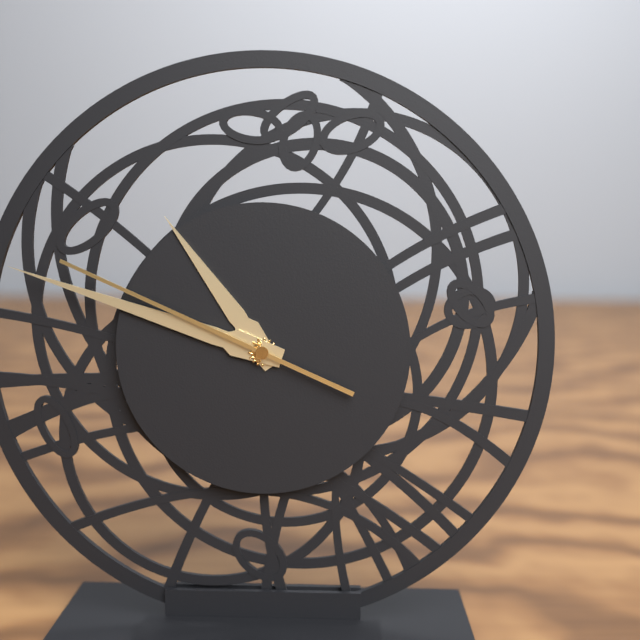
10,48,49
